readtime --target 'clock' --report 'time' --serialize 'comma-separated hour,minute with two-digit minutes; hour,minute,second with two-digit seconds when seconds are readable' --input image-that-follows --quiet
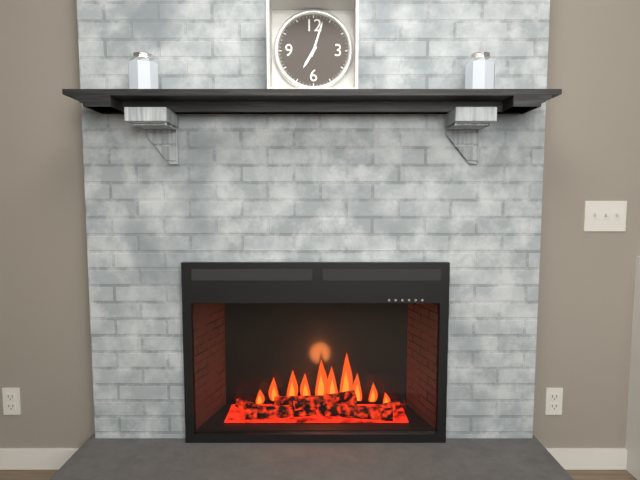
7,03
